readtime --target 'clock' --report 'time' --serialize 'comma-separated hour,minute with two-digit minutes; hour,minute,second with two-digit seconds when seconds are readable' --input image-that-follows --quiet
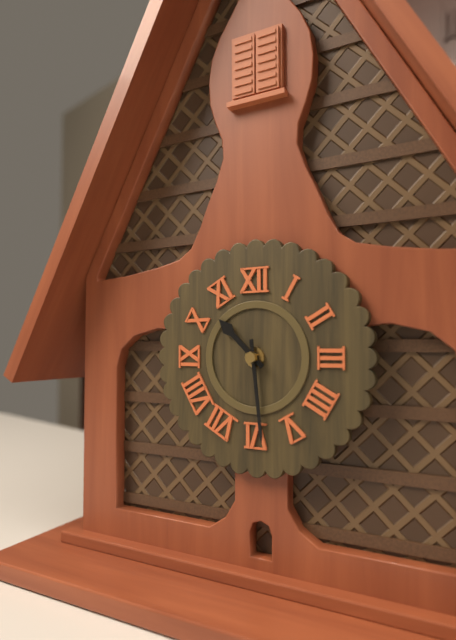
10,29
